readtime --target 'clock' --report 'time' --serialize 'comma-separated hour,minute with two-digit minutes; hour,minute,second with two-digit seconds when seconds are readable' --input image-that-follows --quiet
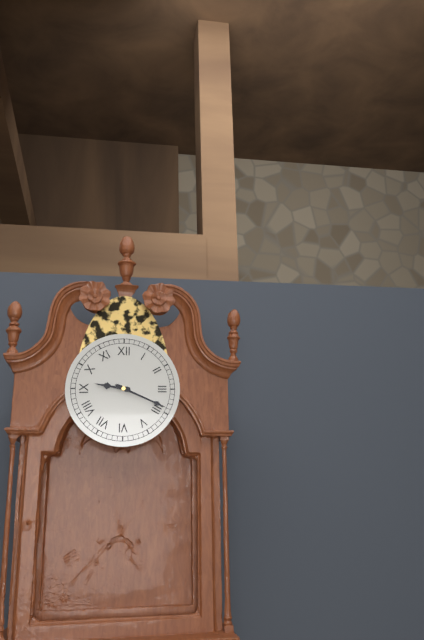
9,19
